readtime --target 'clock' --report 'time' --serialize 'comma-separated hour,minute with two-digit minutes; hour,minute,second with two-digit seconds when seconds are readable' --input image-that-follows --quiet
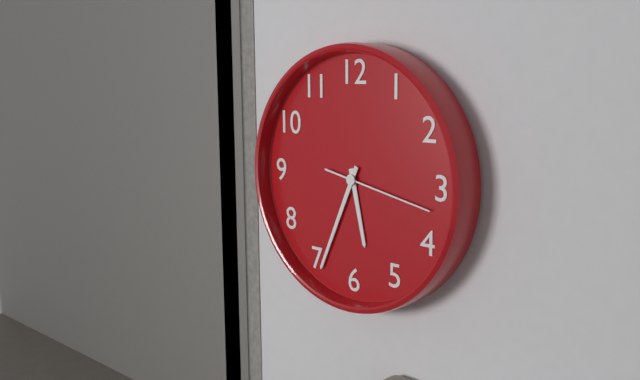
5,34,17
